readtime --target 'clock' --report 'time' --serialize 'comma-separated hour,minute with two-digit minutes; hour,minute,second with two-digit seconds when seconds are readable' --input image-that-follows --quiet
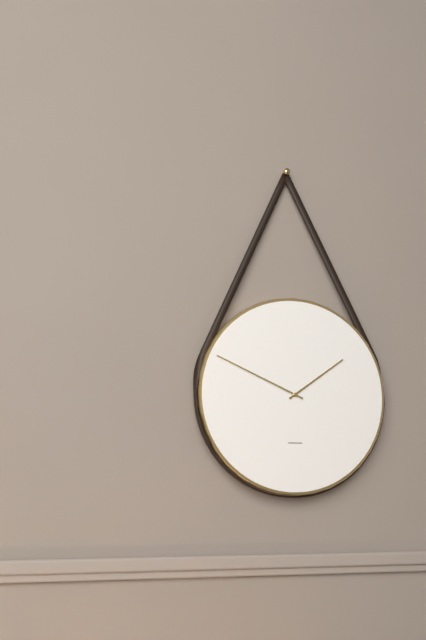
1,49
